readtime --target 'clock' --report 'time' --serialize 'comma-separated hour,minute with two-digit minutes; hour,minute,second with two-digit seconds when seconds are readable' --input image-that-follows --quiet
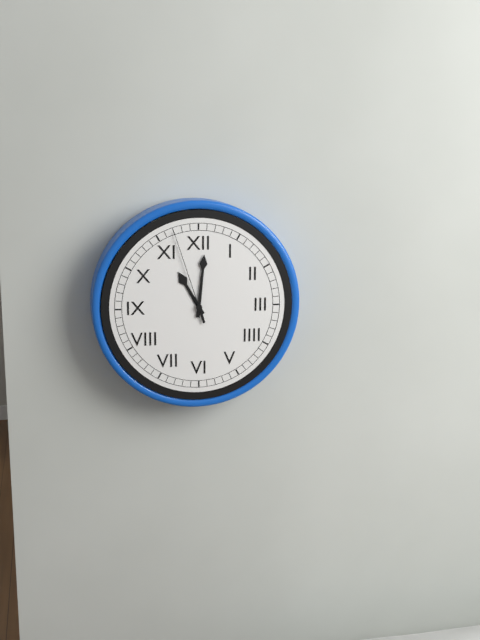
11,01,57
